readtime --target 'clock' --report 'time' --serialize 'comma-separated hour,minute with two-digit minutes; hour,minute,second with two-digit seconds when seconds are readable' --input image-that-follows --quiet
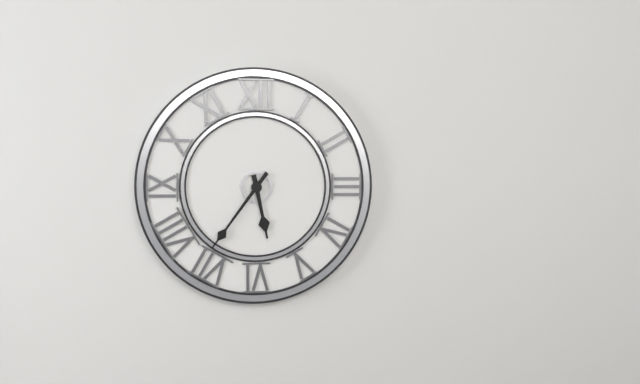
5,36
